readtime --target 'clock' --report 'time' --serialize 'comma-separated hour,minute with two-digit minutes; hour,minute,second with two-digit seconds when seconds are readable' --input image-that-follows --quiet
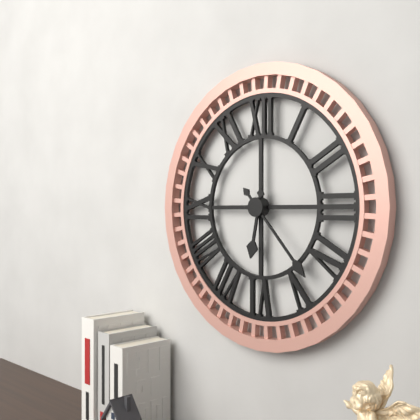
6,23
